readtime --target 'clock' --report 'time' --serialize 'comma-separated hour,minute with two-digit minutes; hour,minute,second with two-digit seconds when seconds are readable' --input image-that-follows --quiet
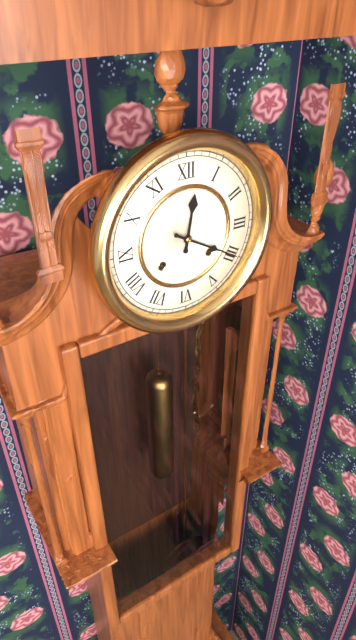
12,20
